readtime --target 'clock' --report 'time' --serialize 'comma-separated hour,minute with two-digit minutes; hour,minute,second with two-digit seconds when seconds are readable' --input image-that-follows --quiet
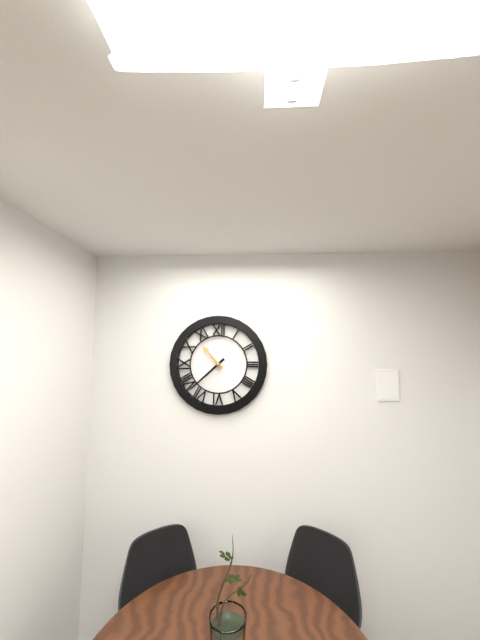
10,38
